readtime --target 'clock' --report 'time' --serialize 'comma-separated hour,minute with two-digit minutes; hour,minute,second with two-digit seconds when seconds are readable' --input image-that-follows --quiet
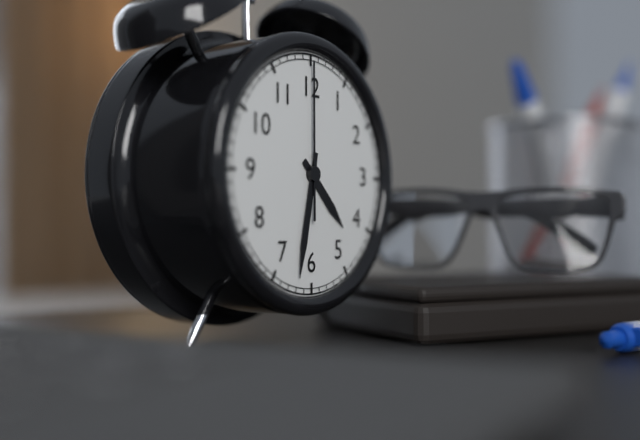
4,32,00
